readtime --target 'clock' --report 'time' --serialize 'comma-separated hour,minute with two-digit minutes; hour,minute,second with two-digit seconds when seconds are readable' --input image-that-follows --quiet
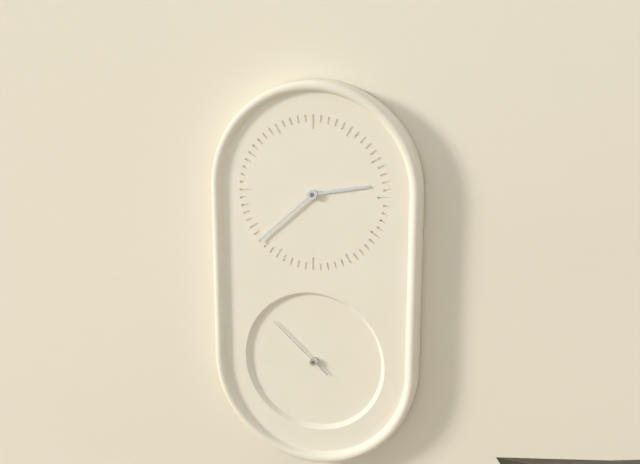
2,38,52
